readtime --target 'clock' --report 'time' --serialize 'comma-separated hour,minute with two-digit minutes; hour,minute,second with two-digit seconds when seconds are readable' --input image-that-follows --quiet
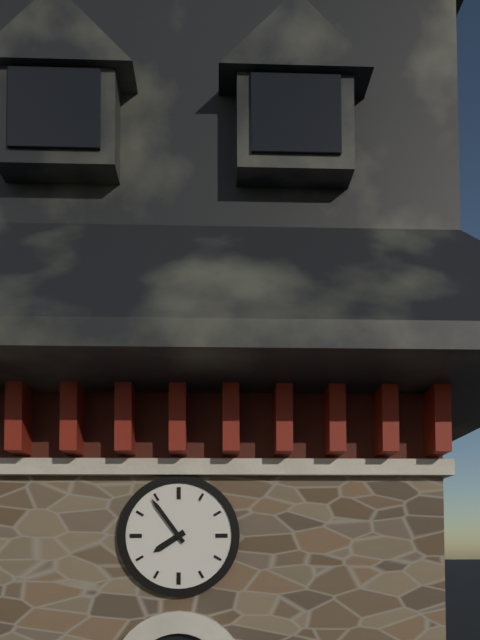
7,54
